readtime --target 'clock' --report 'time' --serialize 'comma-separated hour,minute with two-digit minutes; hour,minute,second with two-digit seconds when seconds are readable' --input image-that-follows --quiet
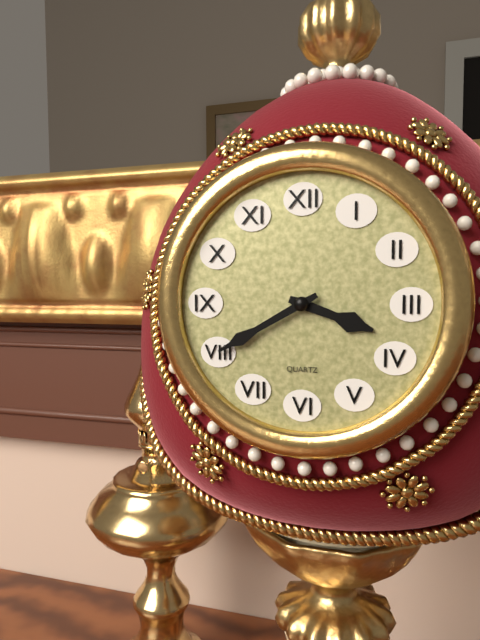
3,40
